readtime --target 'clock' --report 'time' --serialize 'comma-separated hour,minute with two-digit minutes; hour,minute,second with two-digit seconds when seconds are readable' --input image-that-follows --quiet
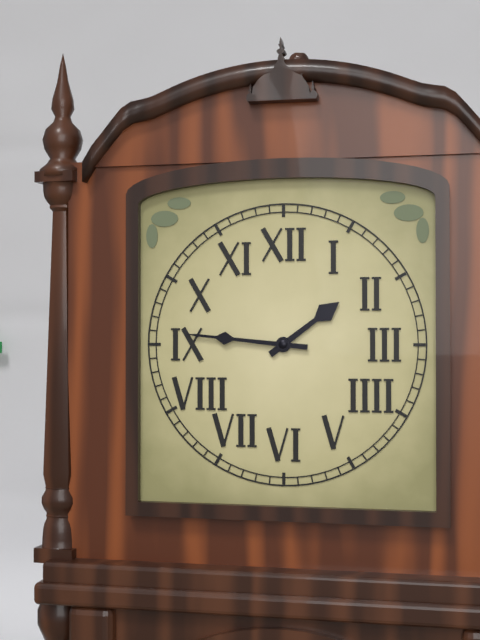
1,46
